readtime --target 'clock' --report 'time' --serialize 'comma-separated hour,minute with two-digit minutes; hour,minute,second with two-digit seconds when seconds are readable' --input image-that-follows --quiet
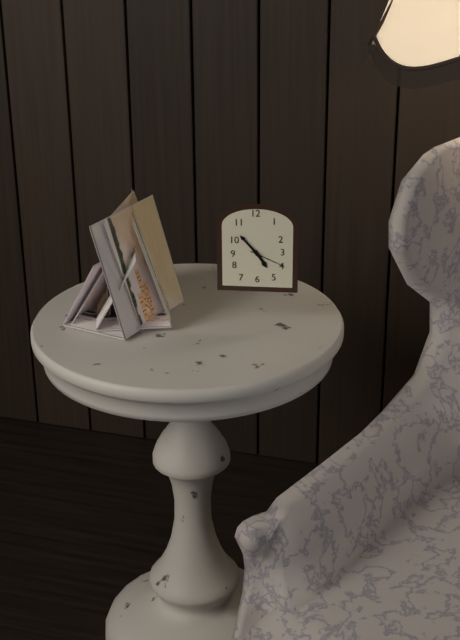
4,53
